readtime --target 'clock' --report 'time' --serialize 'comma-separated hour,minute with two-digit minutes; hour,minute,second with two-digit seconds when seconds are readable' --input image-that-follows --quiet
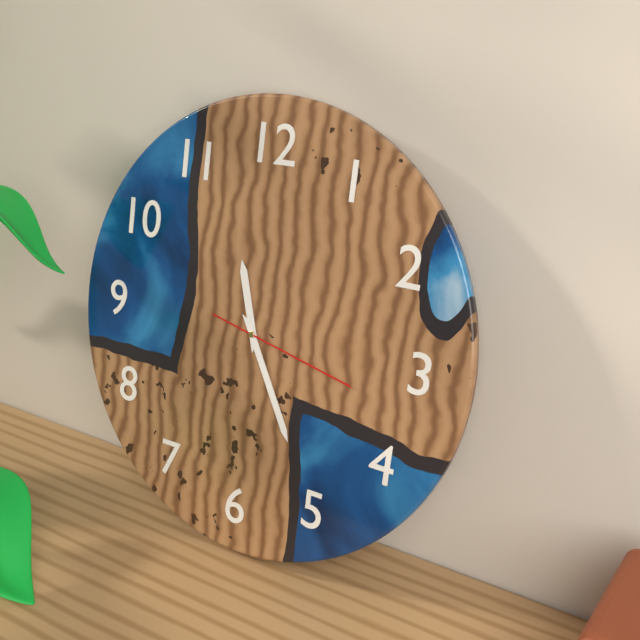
11,25,17
